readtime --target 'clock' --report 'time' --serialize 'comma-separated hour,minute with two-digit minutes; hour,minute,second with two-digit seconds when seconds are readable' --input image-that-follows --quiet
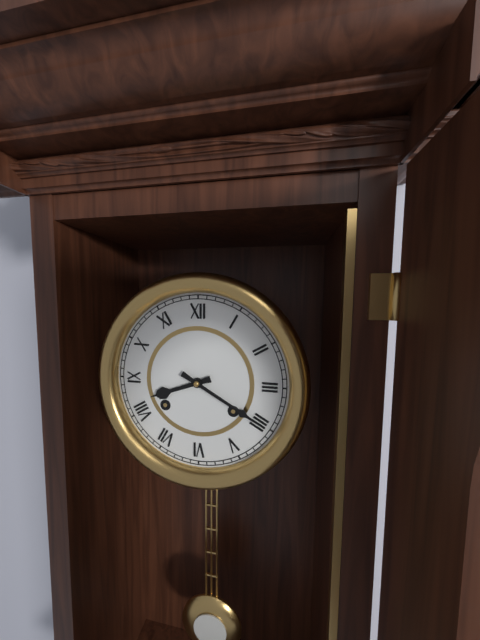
8,20
